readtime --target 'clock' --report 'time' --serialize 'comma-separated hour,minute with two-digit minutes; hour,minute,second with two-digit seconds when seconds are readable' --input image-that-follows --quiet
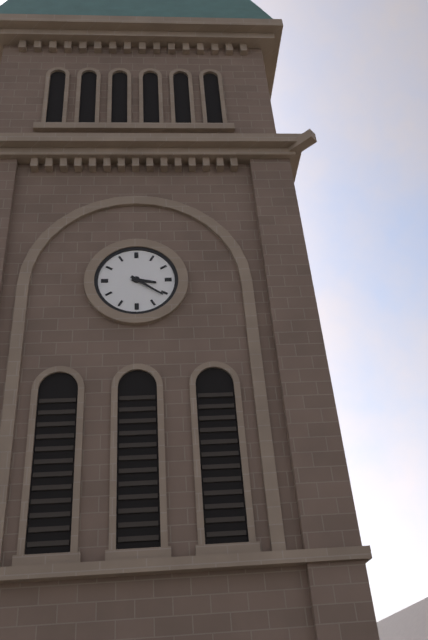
3,21
